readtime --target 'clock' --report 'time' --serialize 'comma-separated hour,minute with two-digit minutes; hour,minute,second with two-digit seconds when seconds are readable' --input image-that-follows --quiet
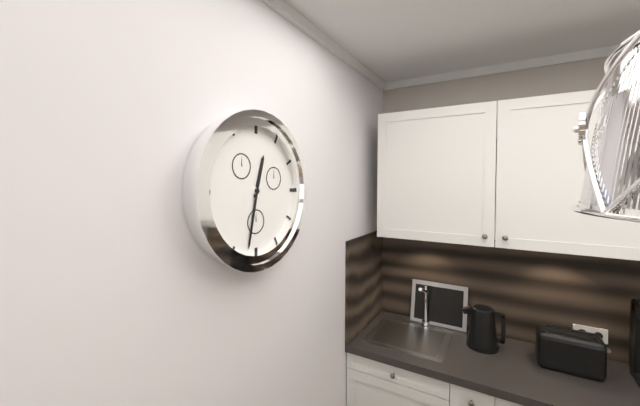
12,32
